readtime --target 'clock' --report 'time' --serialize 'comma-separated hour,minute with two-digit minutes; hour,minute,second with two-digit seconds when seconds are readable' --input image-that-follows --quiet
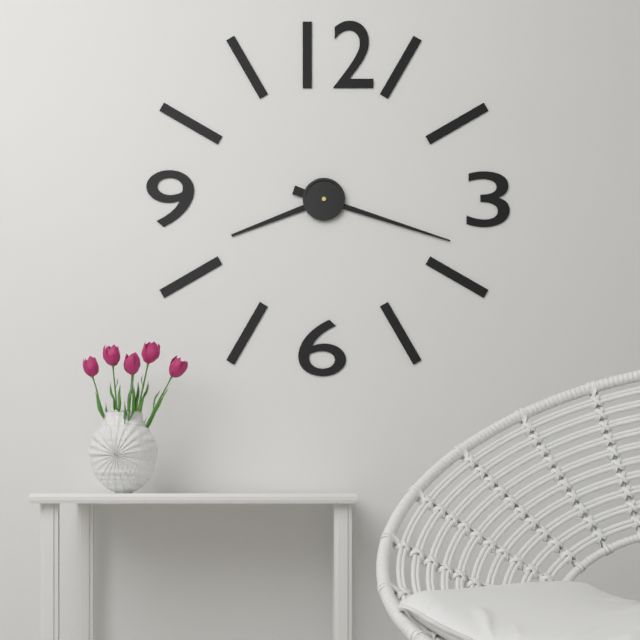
8,18
